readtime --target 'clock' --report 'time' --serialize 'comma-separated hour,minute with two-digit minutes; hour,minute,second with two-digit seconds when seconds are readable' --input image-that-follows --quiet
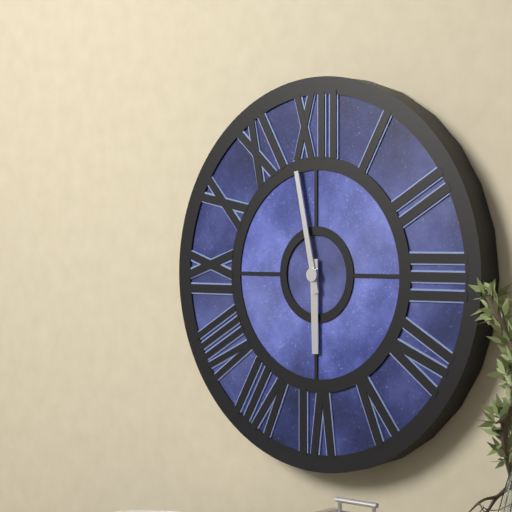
5,58
